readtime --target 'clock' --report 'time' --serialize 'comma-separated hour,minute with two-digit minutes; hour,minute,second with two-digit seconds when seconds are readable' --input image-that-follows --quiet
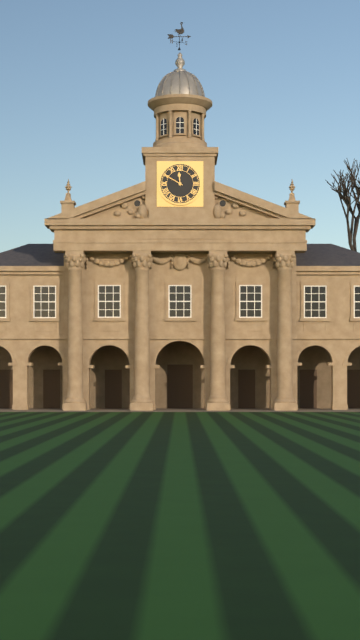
11,50
